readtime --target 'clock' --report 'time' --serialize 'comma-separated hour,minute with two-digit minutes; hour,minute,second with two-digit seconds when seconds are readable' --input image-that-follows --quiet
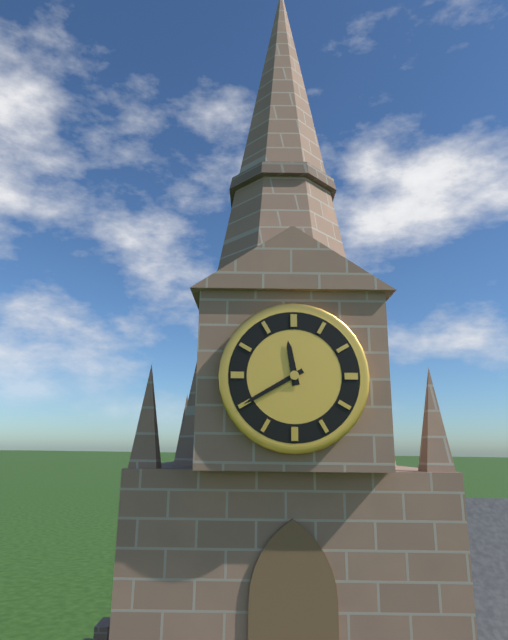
11,40
